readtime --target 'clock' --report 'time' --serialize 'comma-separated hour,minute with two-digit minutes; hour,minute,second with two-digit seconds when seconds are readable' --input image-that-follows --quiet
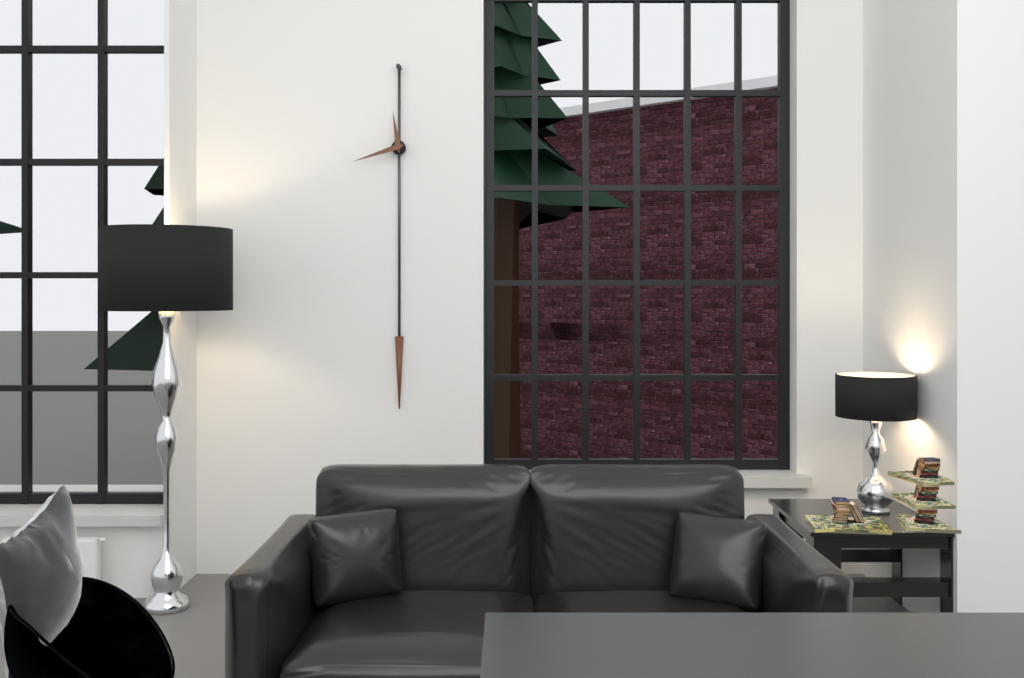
11,42
